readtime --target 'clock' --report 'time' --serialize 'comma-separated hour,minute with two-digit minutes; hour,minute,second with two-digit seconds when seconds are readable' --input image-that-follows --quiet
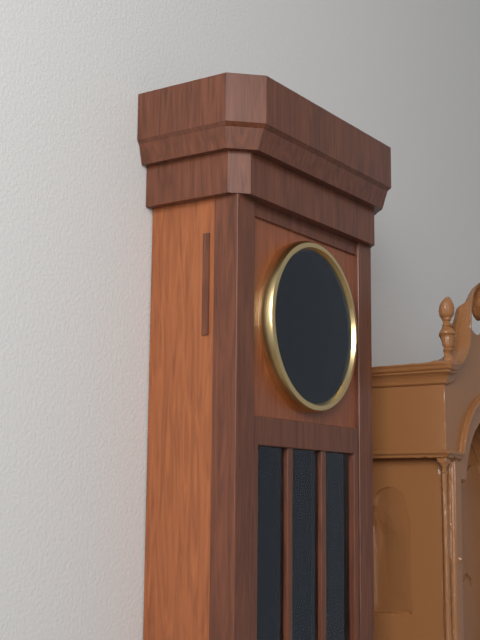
4,08
